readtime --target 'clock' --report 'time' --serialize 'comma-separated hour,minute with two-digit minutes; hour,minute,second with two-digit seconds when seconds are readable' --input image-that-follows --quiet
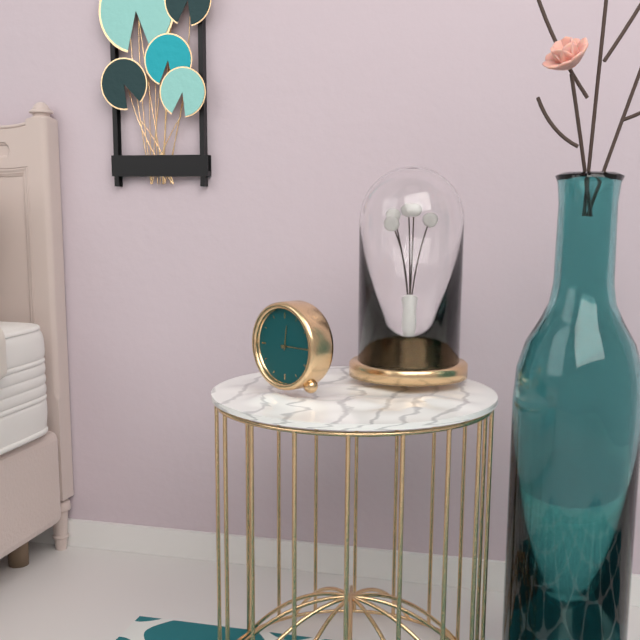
12,15
